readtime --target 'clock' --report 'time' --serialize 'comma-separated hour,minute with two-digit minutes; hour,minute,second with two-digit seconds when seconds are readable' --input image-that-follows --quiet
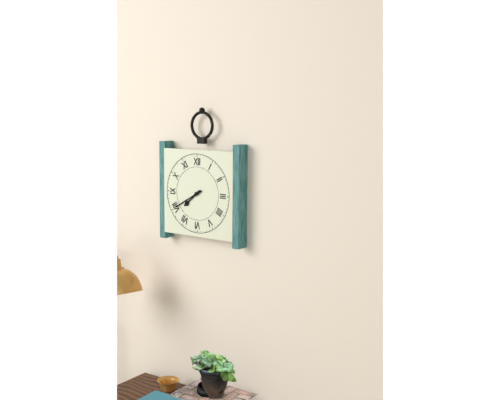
7,40
